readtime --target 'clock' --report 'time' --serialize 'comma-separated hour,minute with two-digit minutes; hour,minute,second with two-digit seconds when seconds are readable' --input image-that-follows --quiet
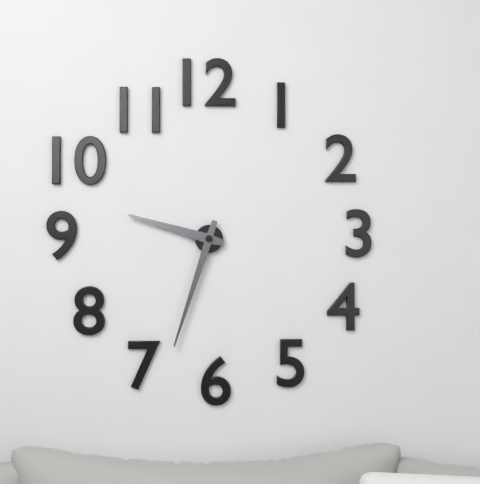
9,33
